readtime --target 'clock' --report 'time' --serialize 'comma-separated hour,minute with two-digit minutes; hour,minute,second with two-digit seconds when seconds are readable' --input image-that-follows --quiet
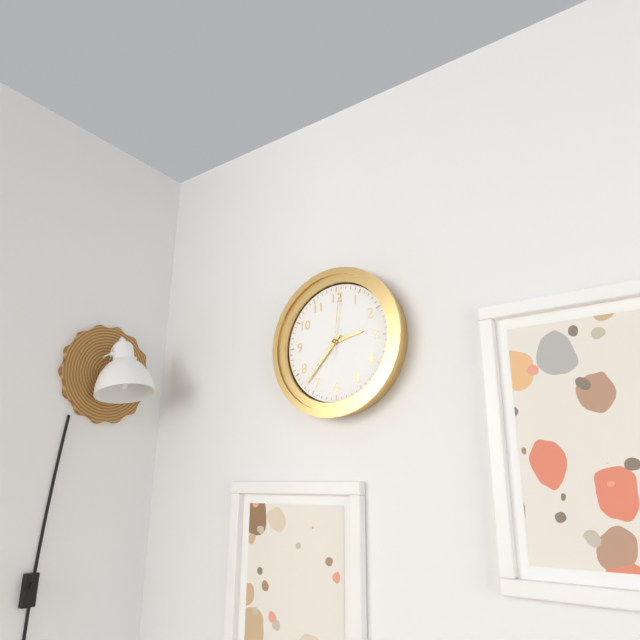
2,37,01
